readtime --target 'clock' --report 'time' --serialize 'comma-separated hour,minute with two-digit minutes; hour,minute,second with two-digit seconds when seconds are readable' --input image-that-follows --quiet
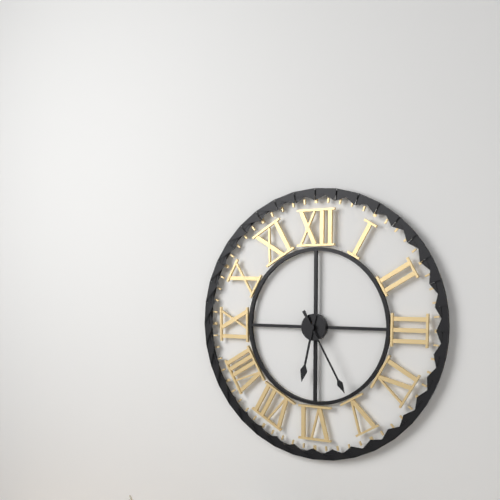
6,25
